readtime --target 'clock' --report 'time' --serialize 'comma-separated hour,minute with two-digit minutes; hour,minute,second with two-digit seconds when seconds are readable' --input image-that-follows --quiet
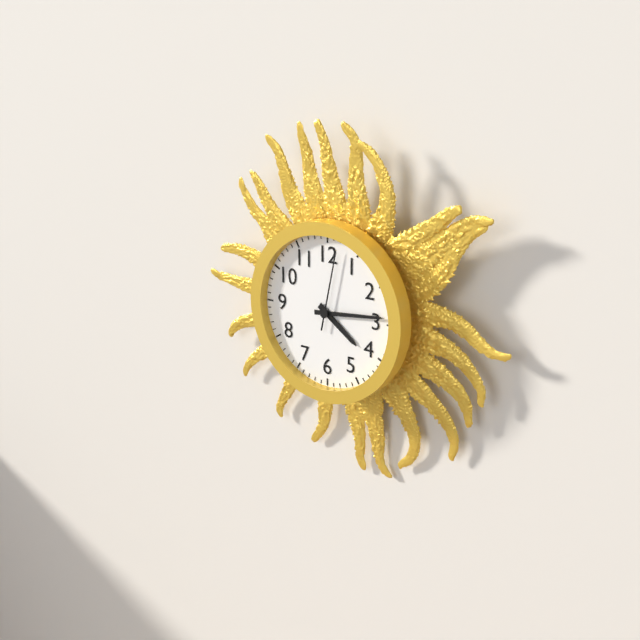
4,14,02
